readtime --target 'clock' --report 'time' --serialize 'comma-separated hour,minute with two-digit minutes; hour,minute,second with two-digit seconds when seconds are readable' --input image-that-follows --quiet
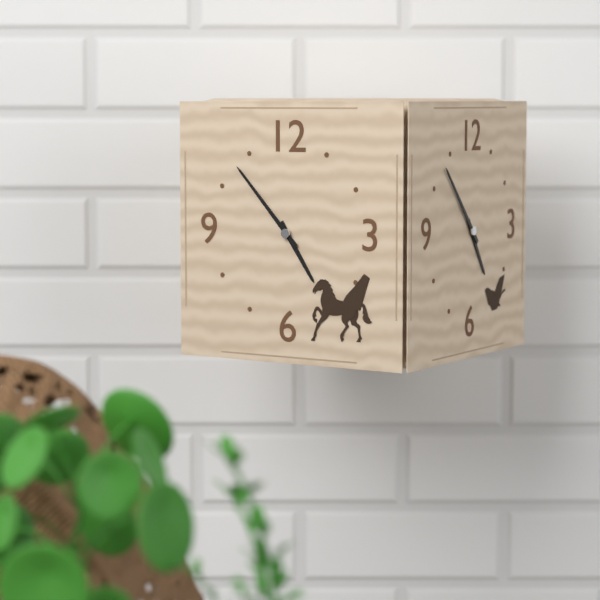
4,53
